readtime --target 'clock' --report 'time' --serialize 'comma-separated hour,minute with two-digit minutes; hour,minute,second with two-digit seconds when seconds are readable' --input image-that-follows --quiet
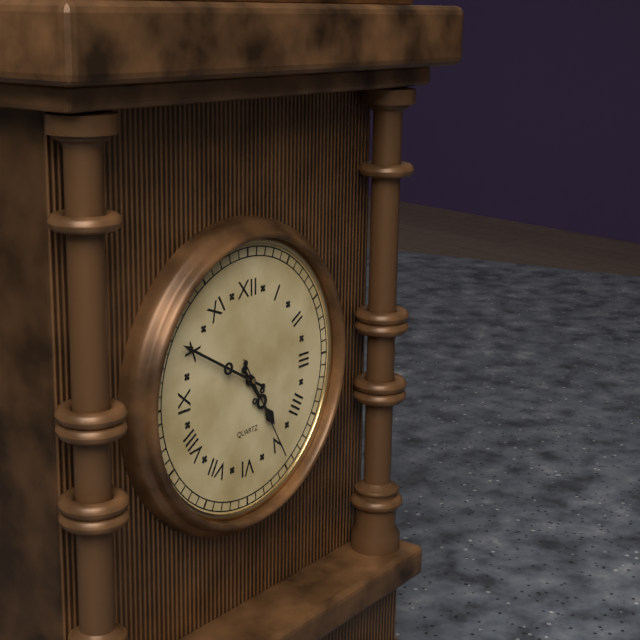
4,50,25
